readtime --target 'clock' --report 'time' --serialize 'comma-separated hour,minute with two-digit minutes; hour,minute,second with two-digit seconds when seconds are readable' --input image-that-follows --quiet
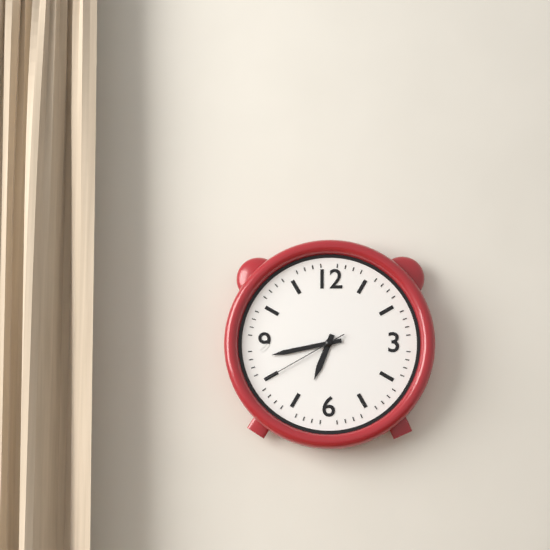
6,43,40
